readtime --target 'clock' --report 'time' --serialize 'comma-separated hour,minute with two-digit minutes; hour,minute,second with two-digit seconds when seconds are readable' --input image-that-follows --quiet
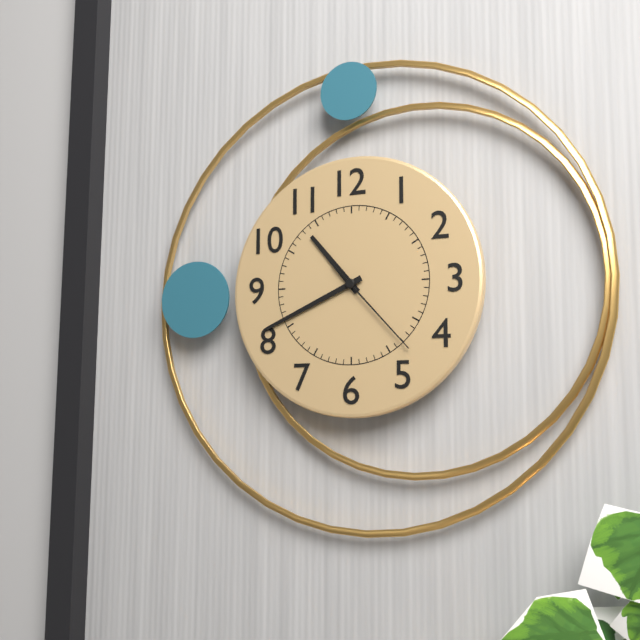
10,41,23
